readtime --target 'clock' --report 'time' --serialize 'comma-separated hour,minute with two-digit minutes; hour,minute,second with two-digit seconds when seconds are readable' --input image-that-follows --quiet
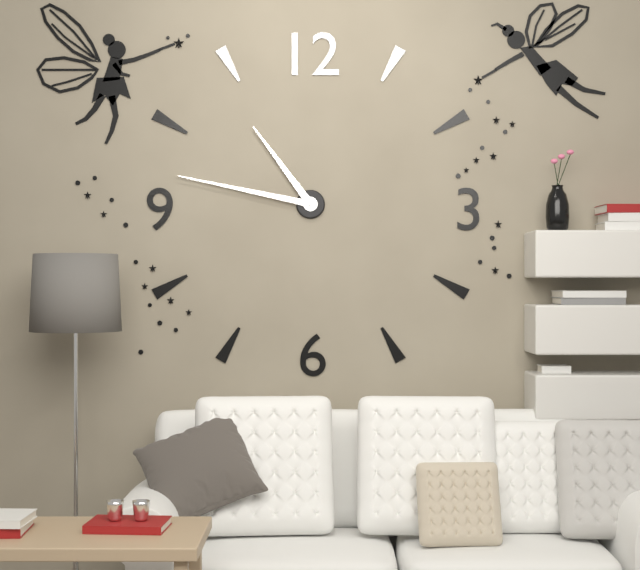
10,47
